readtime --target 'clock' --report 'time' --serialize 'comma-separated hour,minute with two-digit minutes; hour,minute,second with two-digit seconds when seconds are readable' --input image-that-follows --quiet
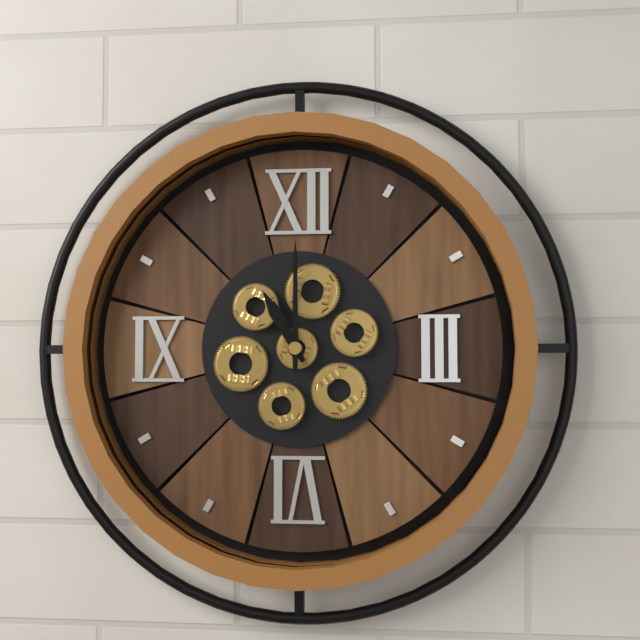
11,00
